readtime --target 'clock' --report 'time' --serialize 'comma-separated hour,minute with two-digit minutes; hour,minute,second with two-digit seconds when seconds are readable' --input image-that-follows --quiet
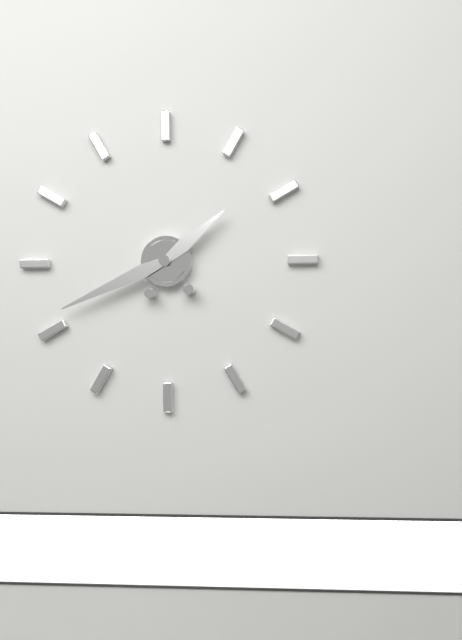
1,41
